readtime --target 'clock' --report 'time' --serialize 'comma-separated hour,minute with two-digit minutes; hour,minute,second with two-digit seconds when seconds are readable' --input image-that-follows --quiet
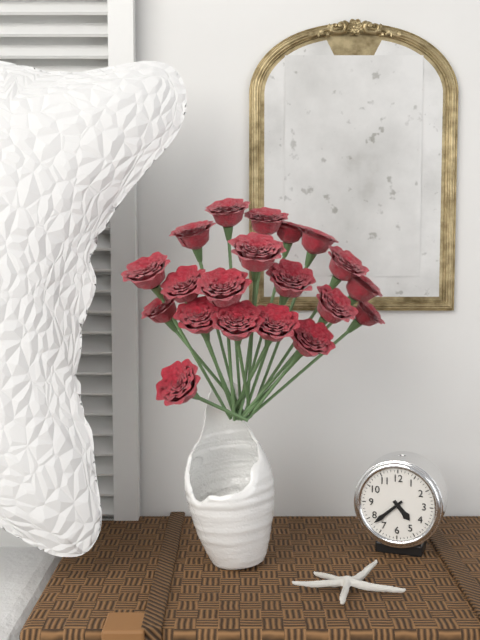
4,38
